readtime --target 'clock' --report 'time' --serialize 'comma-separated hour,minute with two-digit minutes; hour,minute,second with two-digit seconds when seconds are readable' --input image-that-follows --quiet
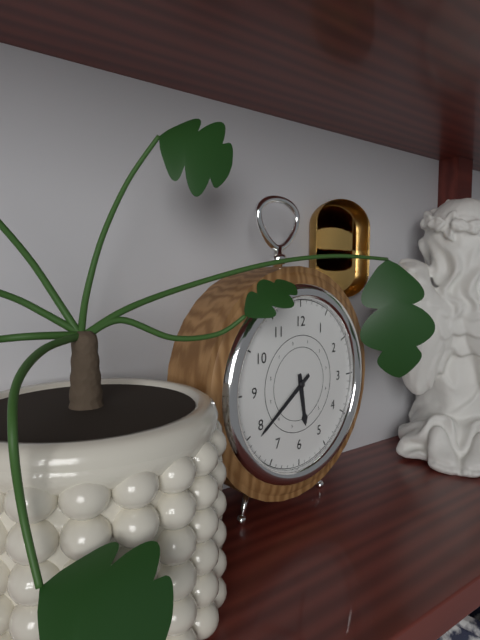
5,39
